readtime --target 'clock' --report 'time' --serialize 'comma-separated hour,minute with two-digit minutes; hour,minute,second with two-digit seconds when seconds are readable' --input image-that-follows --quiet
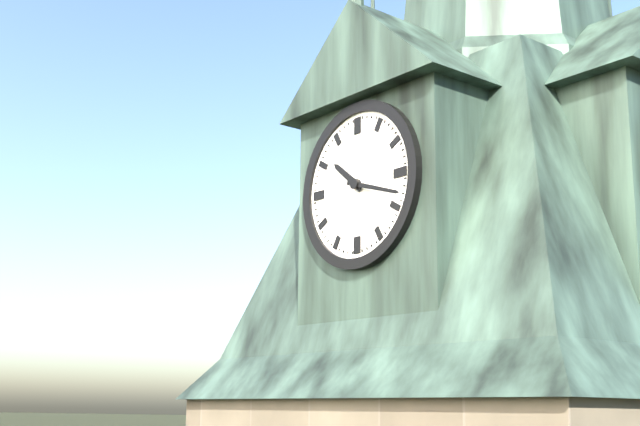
10,18
